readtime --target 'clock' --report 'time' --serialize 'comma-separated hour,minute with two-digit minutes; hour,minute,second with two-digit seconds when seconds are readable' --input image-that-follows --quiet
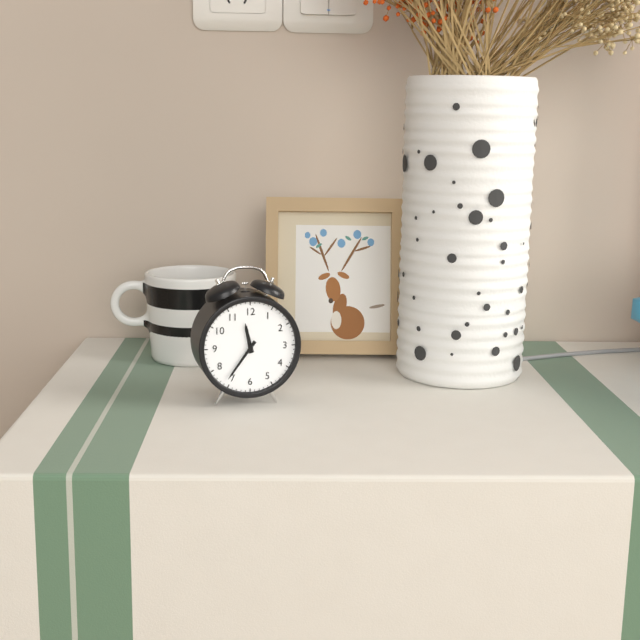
11,36
